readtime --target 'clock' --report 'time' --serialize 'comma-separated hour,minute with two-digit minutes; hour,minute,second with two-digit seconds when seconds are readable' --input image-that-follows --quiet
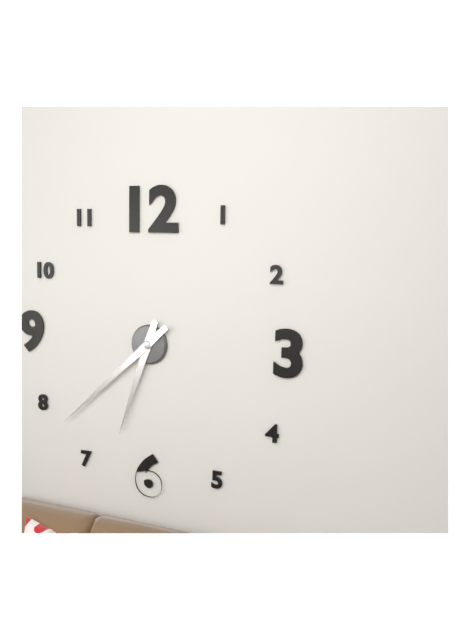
6,38
